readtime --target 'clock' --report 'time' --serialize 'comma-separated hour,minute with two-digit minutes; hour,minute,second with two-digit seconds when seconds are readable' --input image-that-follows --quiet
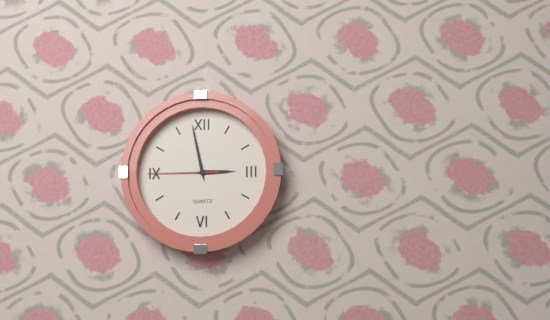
2,58,45
